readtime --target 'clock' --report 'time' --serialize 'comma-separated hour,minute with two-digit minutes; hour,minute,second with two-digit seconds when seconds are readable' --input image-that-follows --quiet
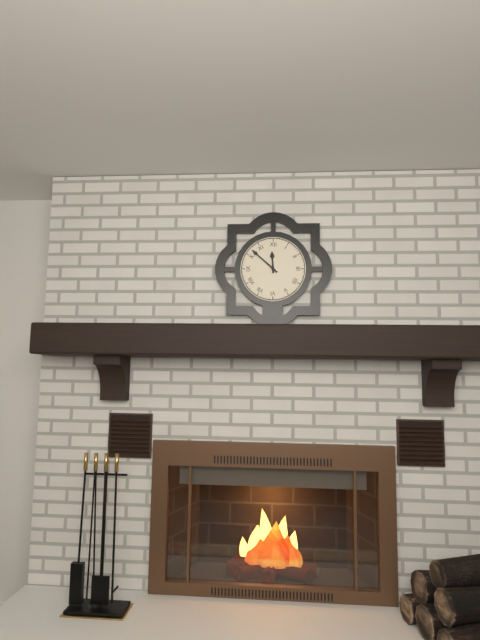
11,52
